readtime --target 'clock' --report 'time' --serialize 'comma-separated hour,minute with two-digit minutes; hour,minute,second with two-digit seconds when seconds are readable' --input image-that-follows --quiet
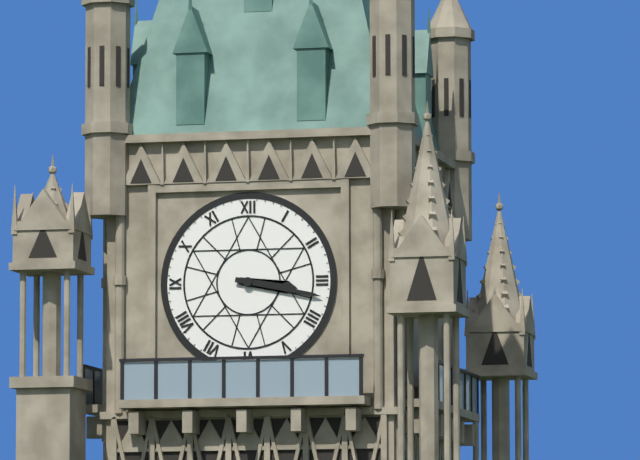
3,17
